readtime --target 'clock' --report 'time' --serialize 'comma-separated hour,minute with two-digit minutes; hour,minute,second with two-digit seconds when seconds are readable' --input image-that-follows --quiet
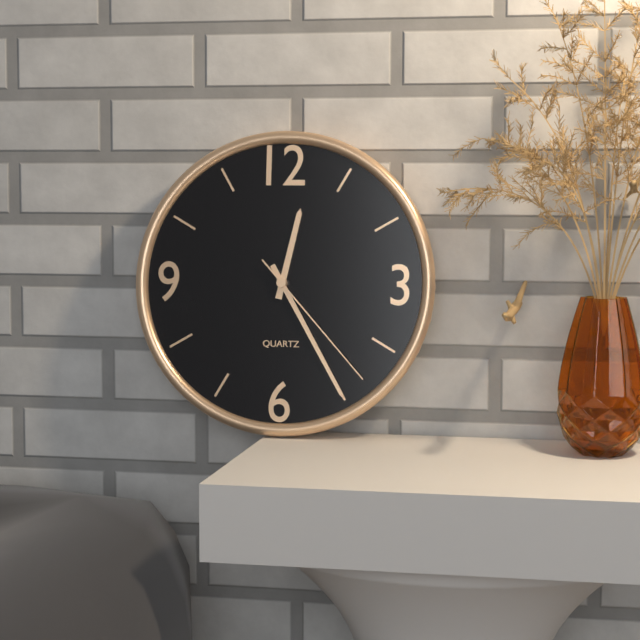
12,25,23
